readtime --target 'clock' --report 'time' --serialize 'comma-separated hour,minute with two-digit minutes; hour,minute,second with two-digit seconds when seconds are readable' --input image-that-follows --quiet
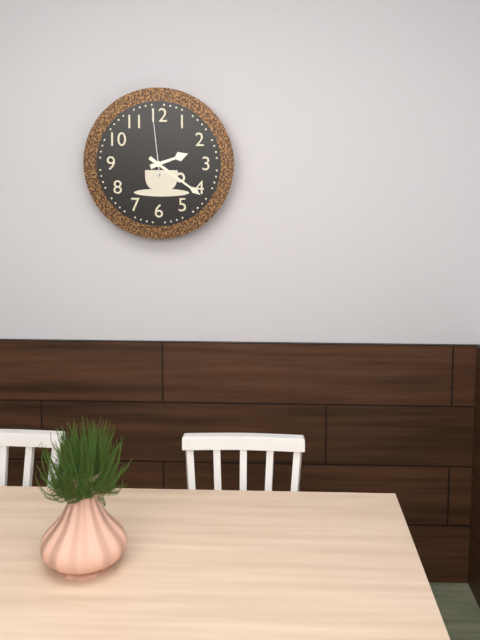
2,21,59
